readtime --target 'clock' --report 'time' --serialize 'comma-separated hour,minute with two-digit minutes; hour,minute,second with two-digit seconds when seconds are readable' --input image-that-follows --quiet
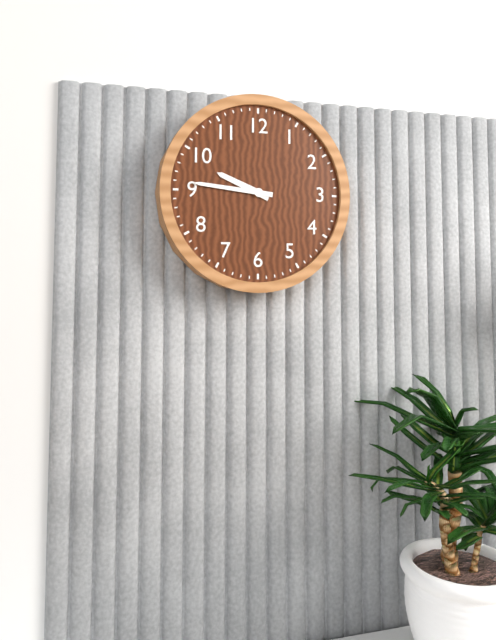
9,46
